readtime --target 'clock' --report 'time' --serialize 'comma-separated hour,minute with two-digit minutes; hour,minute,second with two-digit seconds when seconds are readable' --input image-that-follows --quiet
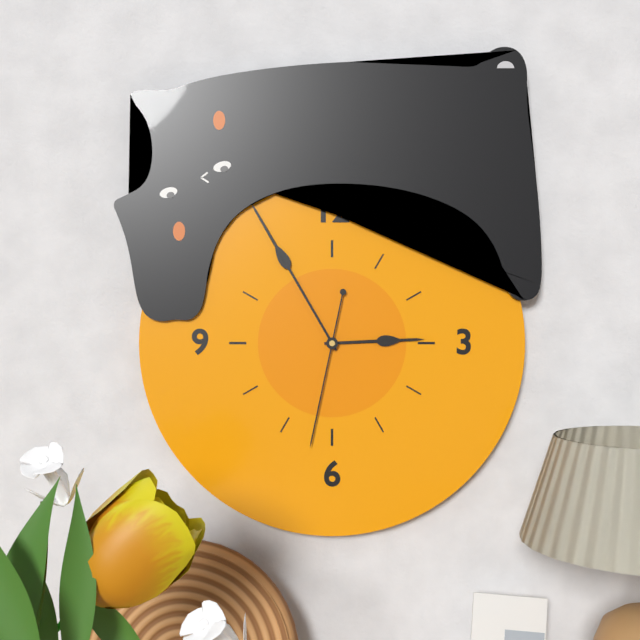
2,55,32
